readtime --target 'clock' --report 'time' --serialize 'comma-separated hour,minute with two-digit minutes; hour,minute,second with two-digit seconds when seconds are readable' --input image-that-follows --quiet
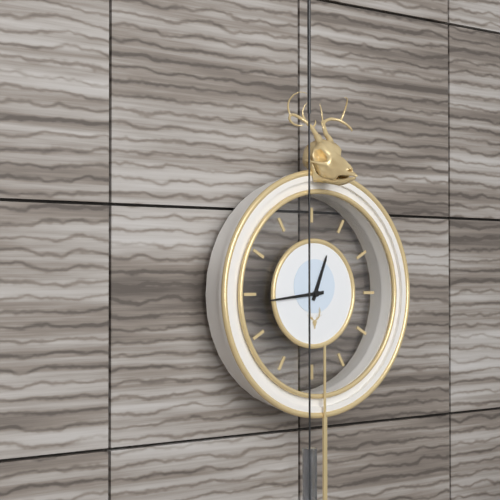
12,44
